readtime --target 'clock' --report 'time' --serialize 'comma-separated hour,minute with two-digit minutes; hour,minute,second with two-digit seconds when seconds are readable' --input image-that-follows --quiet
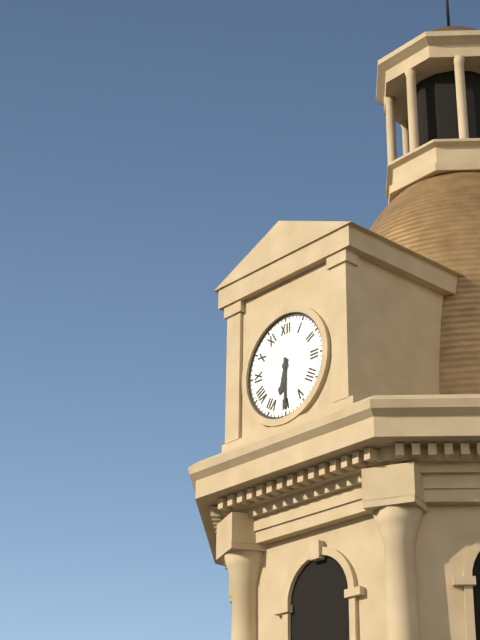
6,30
